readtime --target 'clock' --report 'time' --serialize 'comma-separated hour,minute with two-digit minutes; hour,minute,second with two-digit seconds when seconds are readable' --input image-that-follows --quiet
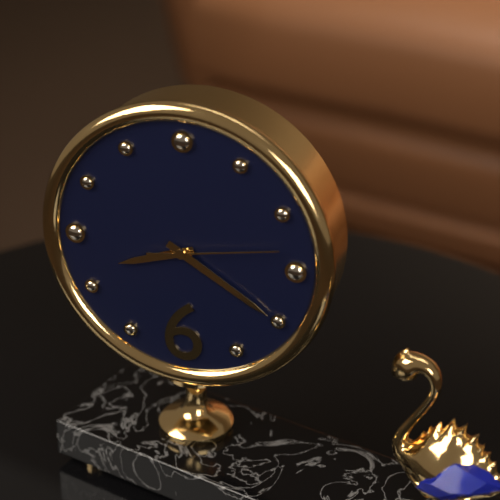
8,20,13
